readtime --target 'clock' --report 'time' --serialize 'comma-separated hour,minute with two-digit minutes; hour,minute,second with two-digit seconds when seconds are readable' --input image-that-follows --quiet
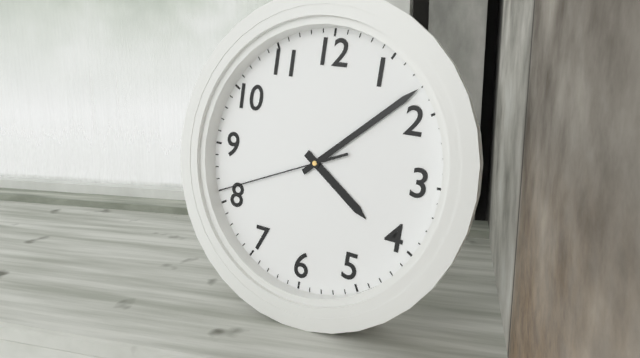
4,08,41
